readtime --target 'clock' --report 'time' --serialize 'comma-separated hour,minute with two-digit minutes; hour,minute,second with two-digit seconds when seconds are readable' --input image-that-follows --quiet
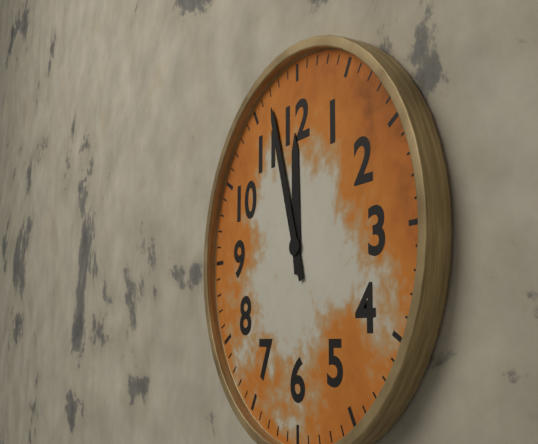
11,57
